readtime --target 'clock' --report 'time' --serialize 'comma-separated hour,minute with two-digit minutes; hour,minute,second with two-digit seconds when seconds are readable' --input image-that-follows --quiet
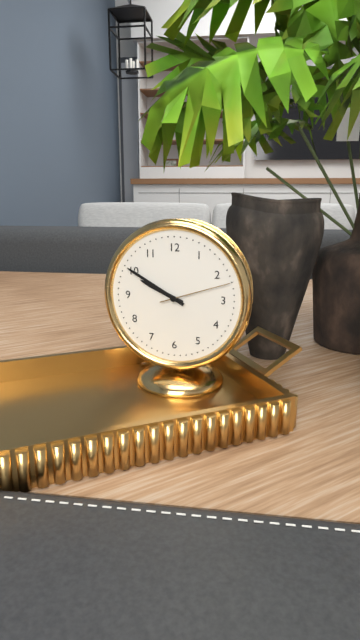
9,50,12
